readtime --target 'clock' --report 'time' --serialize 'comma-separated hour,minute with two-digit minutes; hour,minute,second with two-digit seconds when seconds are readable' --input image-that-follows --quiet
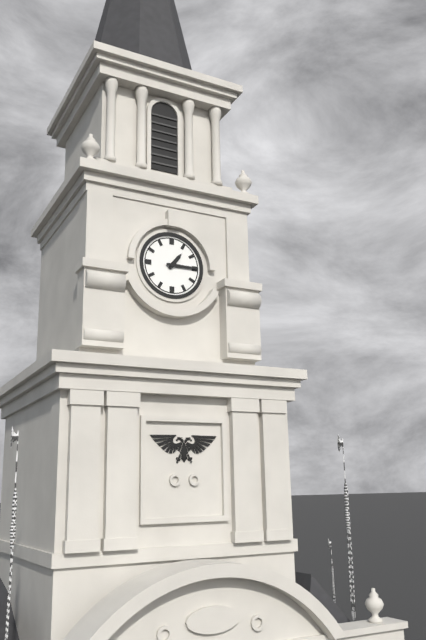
1,15
